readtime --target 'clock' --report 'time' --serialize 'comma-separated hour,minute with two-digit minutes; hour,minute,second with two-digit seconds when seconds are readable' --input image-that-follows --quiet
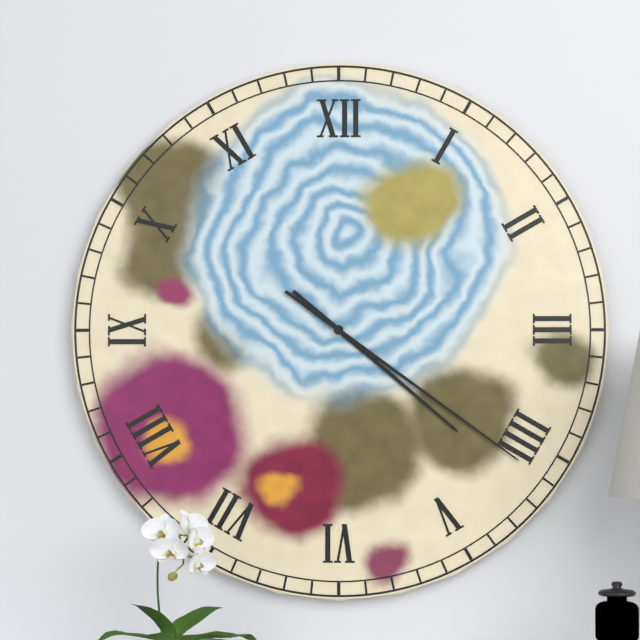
4,21
